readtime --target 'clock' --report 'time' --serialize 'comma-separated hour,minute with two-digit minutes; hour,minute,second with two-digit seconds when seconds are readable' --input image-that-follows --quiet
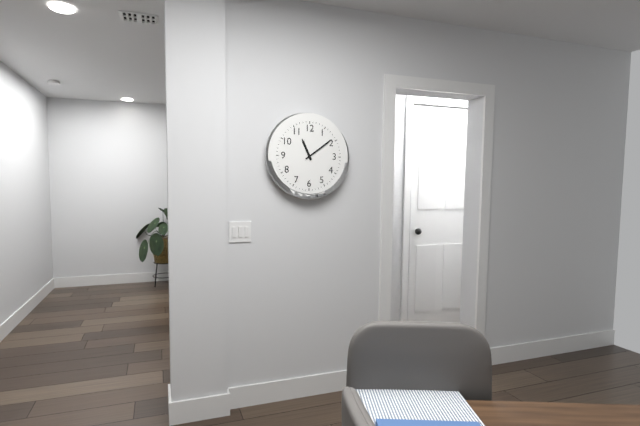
11,09
